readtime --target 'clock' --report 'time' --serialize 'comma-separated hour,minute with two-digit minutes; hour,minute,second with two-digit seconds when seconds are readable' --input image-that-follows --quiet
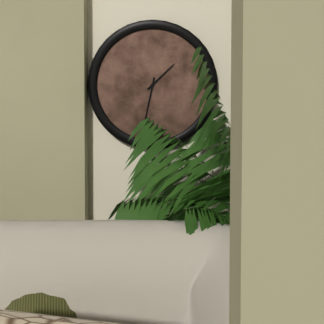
1,32
